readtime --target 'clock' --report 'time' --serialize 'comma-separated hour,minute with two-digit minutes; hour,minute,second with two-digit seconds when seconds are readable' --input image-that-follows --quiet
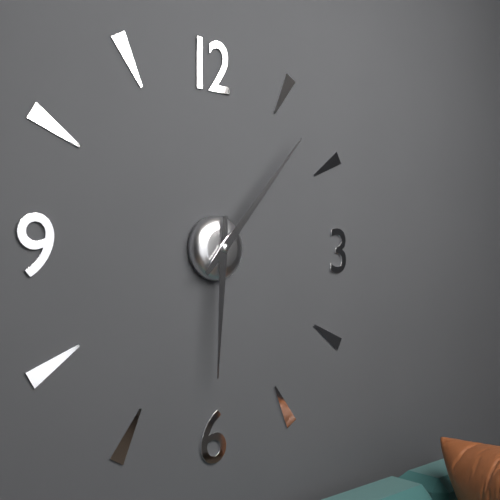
6,07
